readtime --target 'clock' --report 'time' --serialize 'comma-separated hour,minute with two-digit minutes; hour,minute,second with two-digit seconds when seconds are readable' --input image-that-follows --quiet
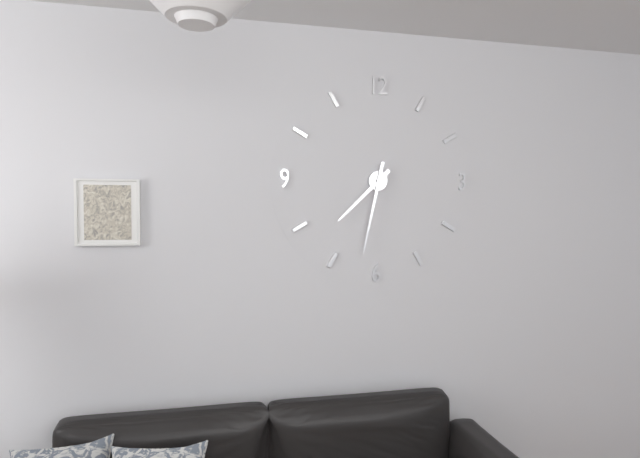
7,32
